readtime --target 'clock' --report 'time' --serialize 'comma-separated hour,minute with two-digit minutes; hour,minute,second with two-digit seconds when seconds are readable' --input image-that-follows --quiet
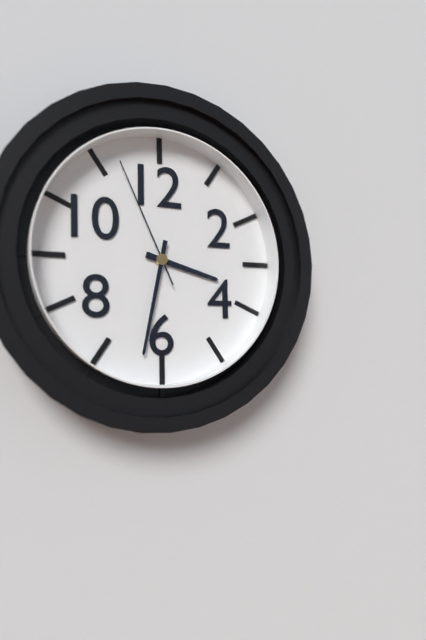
3,32,56
